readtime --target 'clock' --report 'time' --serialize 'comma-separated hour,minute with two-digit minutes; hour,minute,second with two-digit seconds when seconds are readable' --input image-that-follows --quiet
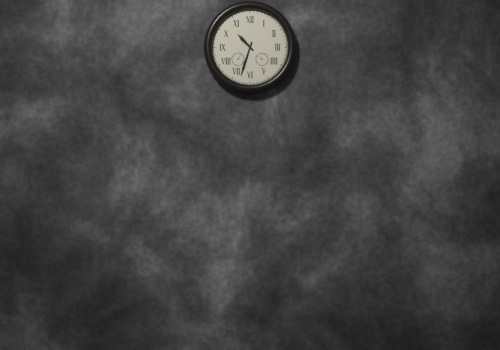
10,33
